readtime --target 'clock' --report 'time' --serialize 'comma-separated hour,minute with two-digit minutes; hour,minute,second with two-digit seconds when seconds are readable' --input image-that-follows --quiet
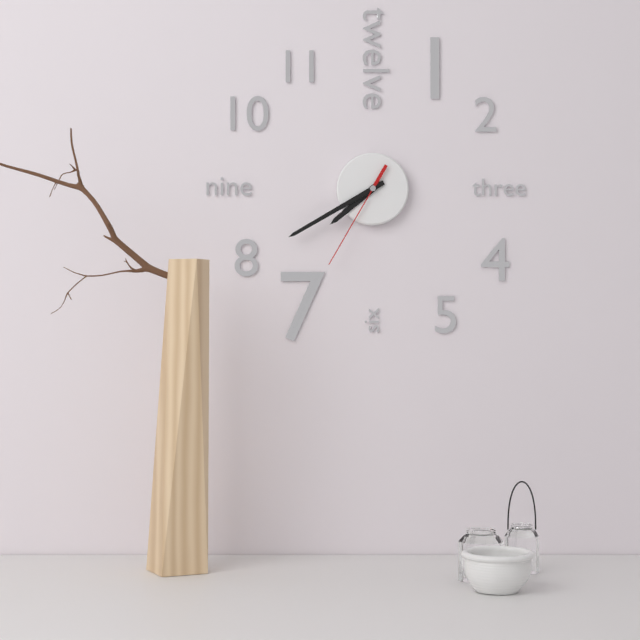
7,40,35
